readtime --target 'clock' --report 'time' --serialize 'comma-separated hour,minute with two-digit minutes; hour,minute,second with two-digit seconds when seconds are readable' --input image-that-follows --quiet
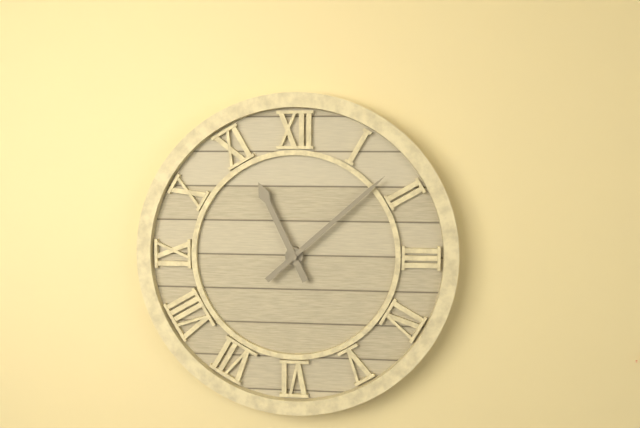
11,08
